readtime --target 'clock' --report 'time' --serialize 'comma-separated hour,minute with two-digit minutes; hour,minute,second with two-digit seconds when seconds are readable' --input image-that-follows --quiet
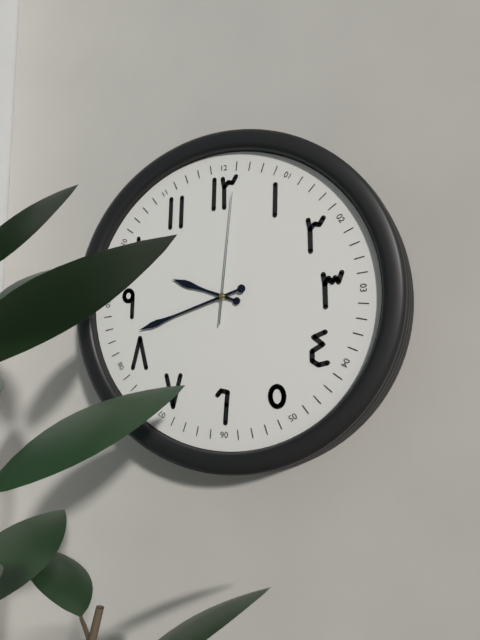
9,42,01
